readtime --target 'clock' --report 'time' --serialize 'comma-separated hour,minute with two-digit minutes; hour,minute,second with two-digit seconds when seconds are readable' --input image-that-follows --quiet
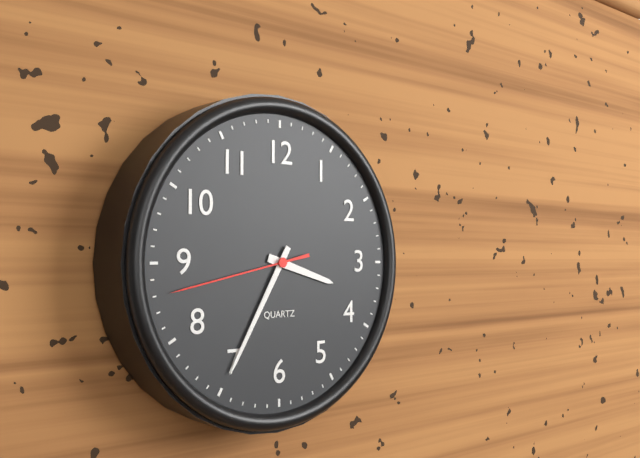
3,35,43
